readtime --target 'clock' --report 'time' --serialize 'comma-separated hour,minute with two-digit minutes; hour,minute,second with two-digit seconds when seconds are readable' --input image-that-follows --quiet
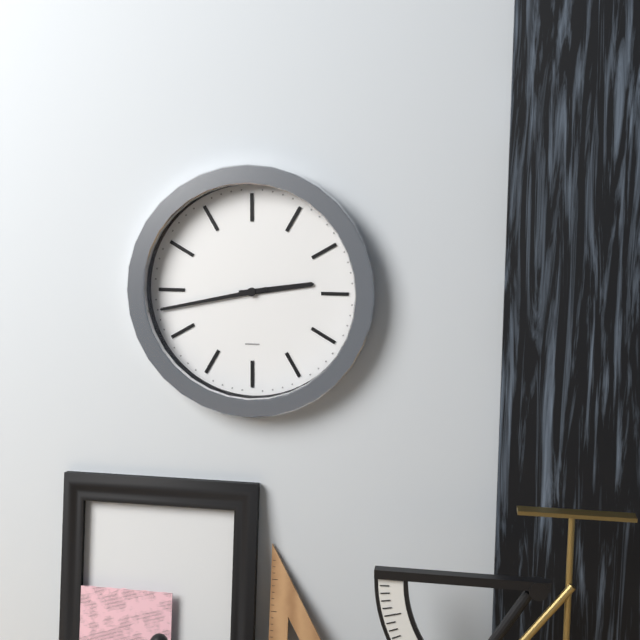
2,43
